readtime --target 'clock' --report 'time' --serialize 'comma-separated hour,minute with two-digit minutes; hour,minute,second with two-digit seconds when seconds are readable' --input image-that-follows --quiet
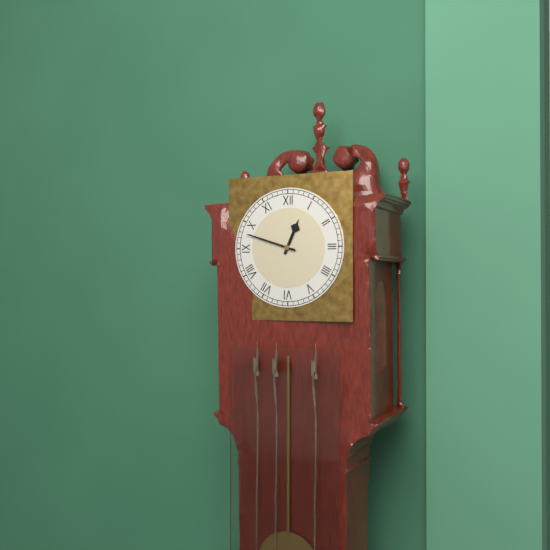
12,48
